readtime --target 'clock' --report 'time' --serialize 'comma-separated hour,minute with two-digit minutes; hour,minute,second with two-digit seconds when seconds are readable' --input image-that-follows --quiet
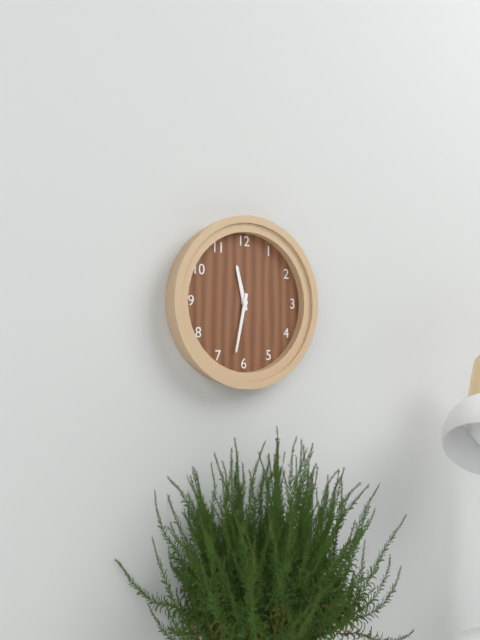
11,32
